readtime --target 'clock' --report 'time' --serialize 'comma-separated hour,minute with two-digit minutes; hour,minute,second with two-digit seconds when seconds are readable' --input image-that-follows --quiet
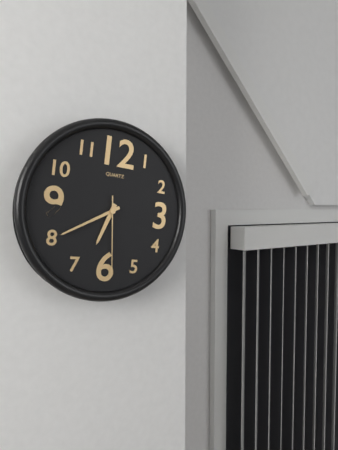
6,40,29
